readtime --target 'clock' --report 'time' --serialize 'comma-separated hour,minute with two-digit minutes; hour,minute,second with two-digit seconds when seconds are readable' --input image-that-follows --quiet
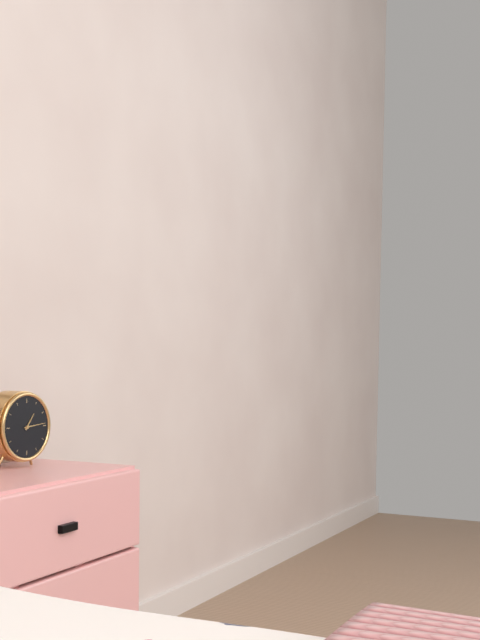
1,14
